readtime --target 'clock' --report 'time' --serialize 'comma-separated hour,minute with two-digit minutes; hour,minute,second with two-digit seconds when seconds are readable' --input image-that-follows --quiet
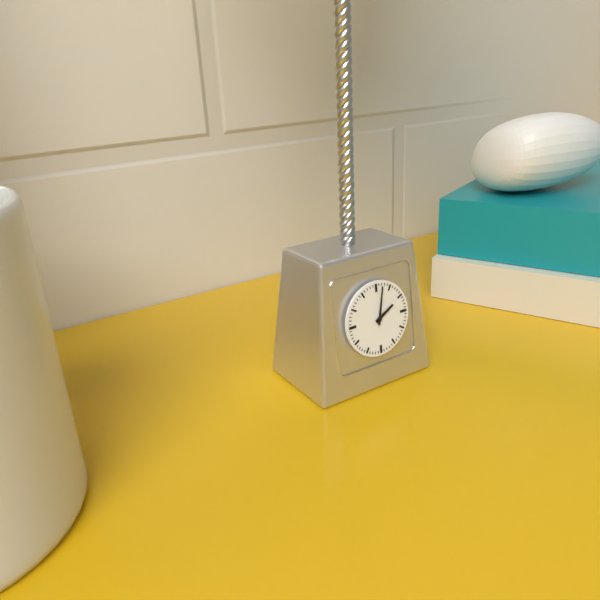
2,02
